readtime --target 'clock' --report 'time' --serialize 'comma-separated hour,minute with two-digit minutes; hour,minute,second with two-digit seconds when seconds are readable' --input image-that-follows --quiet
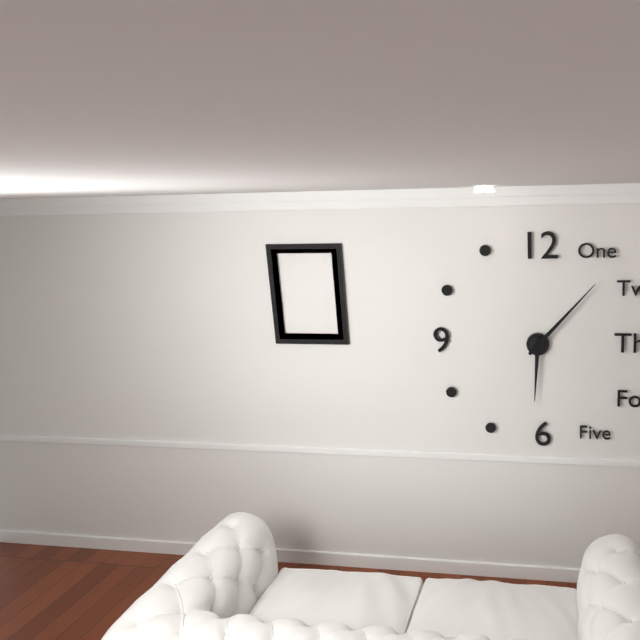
6,07
